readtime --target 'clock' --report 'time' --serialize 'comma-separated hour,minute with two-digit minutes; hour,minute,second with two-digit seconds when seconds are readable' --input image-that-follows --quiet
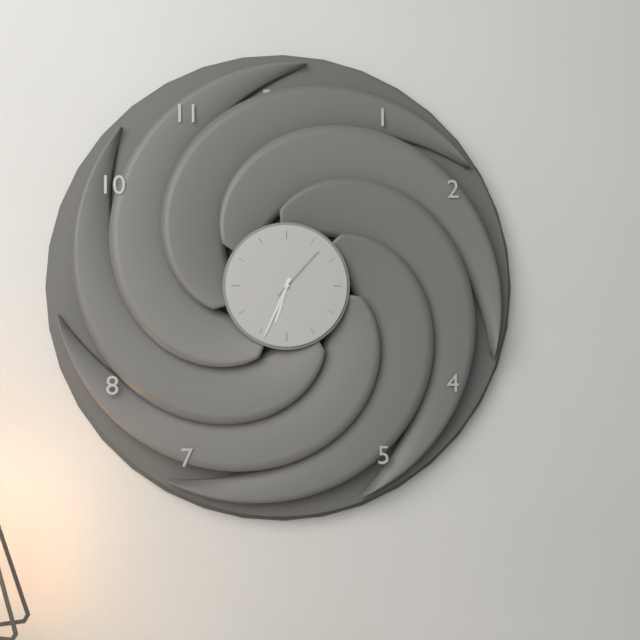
6,34,07
